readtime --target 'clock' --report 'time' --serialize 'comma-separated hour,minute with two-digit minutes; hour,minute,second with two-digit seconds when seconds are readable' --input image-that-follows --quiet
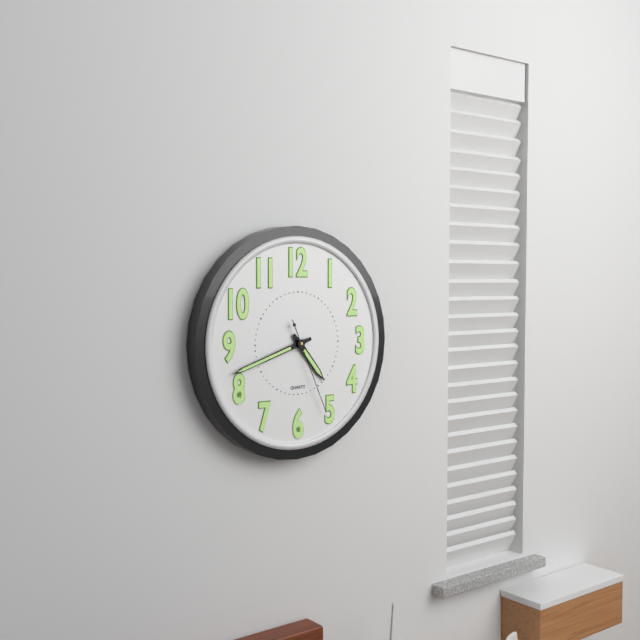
4,42,26
